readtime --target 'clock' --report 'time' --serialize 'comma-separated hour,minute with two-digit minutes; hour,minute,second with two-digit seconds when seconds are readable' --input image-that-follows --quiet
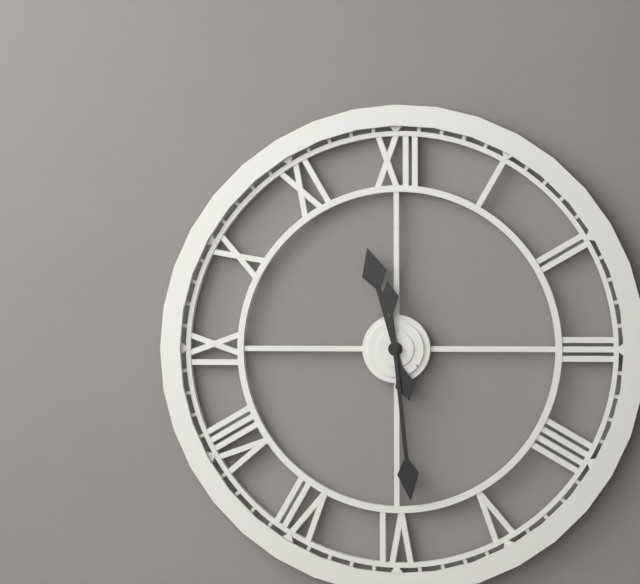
11,29
